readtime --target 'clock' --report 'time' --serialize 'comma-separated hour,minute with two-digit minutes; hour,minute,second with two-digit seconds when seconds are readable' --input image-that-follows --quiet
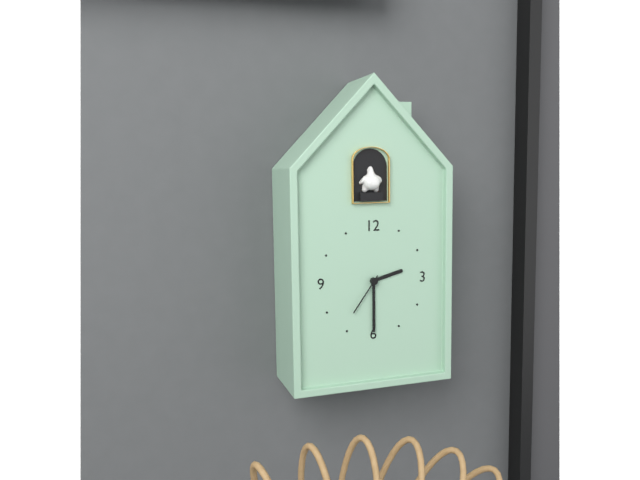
2,30
